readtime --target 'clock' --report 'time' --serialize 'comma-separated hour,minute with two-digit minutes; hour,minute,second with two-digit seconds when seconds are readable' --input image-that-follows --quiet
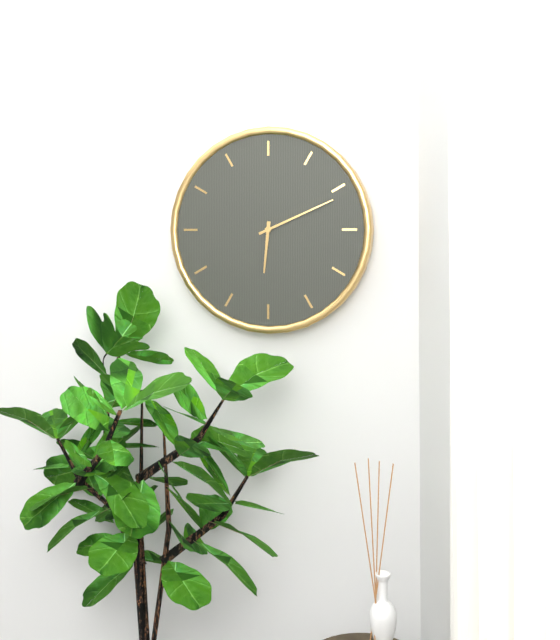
6,11
